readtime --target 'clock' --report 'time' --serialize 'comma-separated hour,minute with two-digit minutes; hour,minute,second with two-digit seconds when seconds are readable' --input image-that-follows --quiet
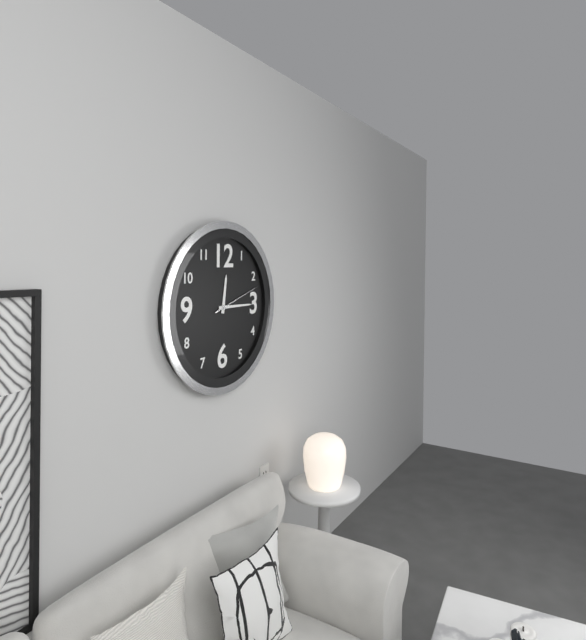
12,15
